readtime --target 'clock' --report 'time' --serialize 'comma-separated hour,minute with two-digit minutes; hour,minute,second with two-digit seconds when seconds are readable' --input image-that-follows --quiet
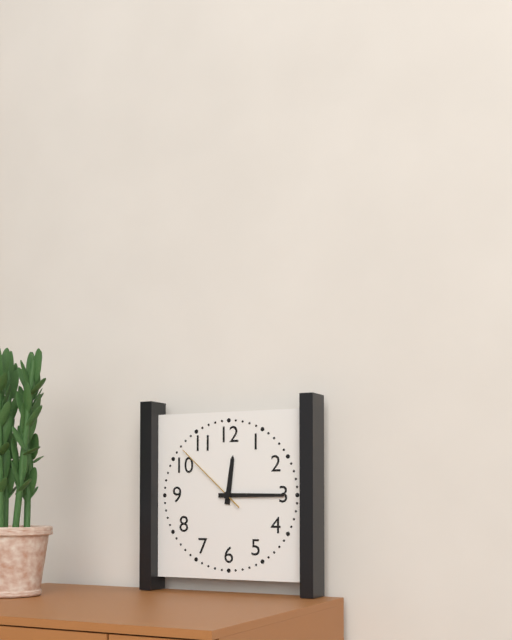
12,15,52
